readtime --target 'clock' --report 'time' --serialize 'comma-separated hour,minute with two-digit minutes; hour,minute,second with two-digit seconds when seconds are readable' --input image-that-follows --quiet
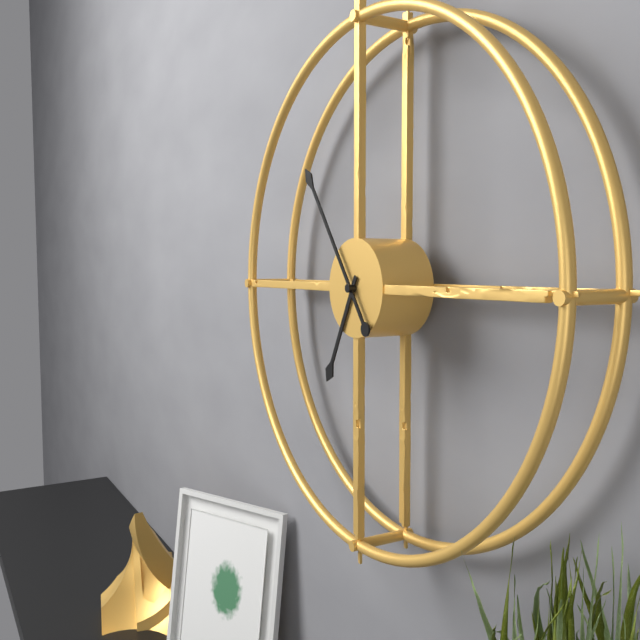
6,54
